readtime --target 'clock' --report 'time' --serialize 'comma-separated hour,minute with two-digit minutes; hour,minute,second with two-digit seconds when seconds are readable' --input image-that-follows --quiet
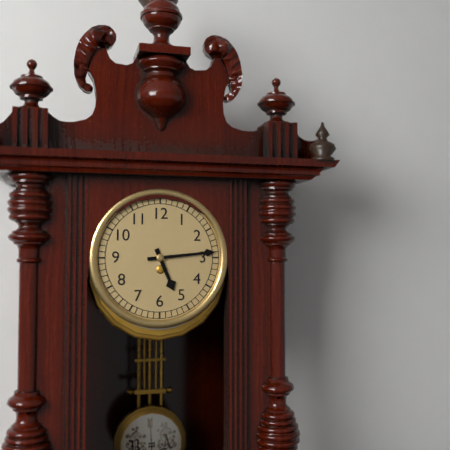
5,14
